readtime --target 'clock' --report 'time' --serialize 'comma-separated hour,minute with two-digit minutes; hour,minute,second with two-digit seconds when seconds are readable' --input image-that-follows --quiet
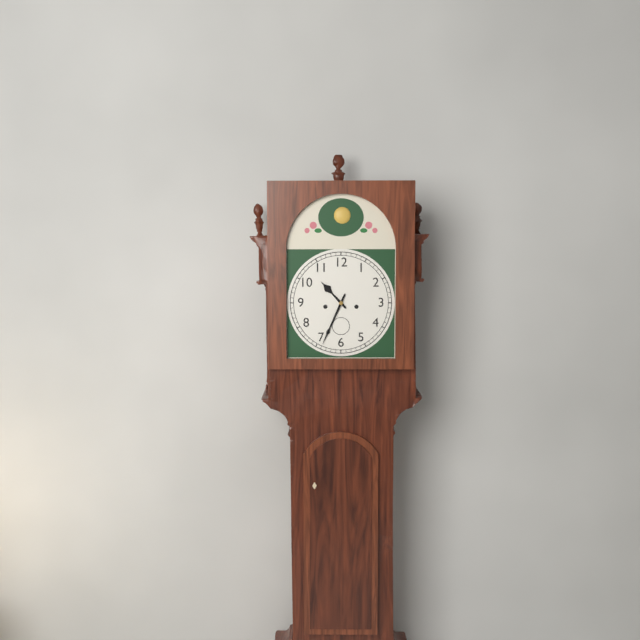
10,34
